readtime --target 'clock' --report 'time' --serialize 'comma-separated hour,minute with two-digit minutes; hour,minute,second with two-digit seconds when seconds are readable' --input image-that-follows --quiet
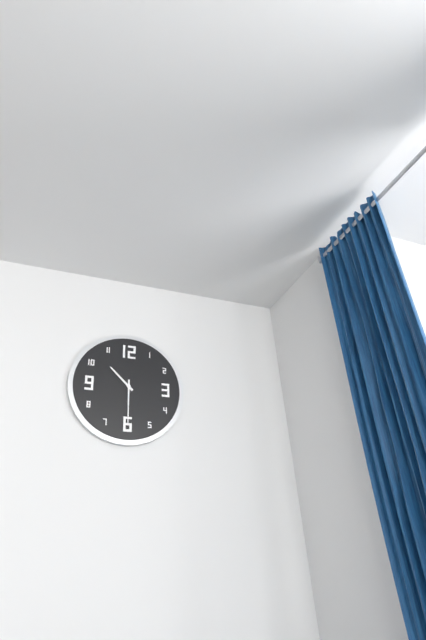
10,30
